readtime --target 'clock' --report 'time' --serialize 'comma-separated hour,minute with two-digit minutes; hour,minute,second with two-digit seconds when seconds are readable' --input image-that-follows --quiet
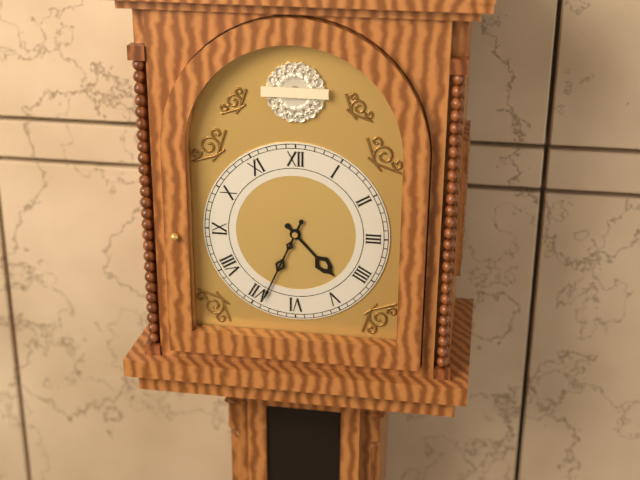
4,34
